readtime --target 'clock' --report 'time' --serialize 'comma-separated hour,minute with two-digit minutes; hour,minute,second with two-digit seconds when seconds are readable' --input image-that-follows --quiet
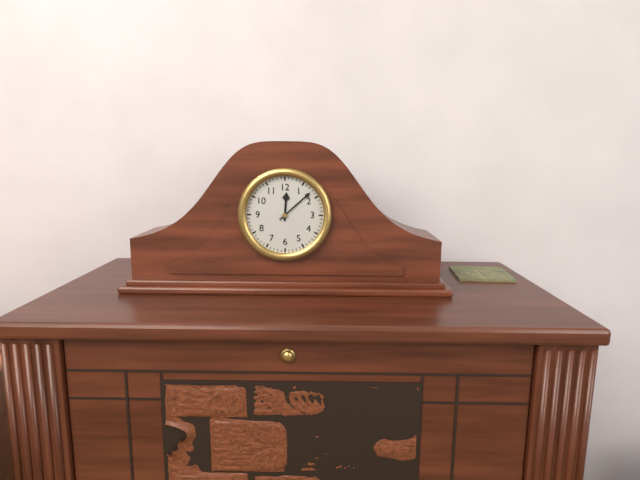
12,08
